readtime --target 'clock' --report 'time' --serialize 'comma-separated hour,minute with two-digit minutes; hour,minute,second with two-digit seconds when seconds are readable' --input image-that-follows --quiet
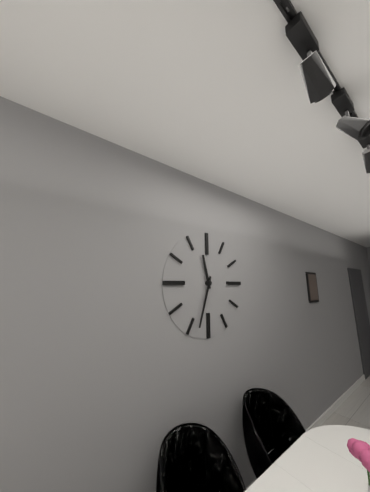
11,33
